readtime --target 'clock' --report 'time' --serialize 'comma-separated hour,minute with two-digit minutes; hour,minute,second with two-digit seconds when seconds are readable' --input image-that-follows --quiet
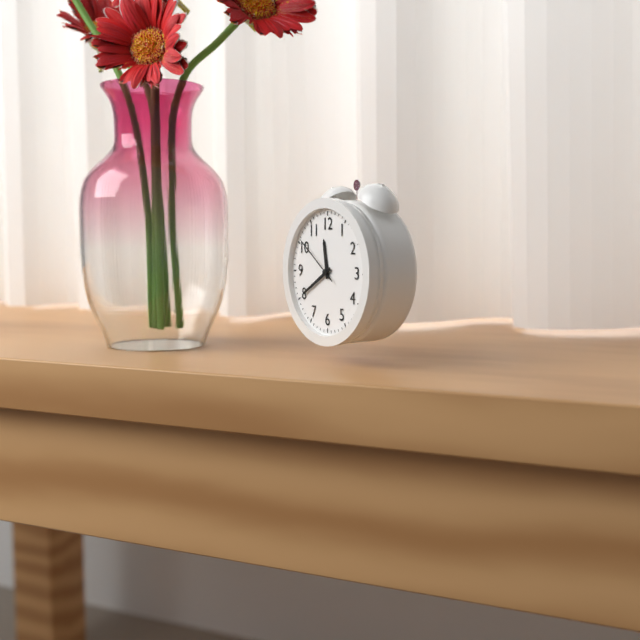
11,40,51
